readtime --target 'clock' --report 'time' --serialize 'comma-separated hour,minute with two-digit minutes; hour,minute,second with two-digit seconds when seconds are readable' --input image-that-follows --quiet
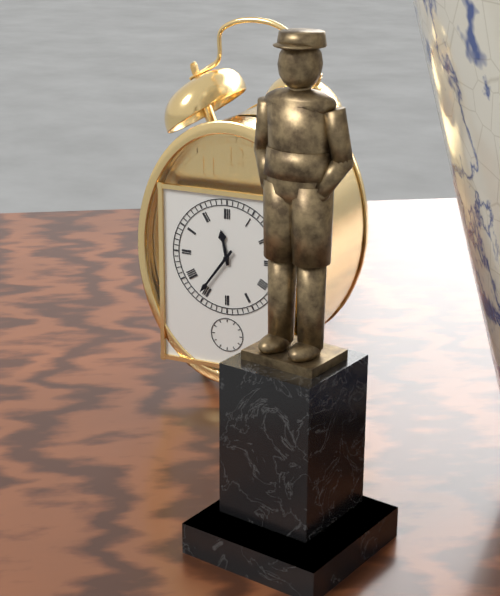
11,36
